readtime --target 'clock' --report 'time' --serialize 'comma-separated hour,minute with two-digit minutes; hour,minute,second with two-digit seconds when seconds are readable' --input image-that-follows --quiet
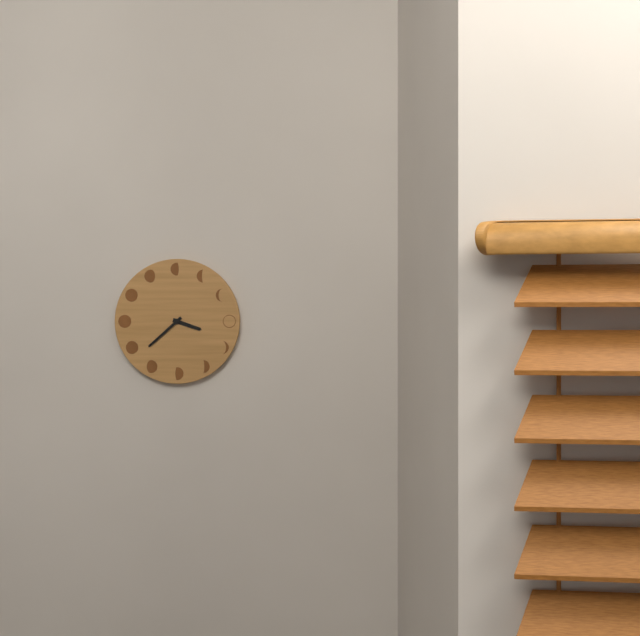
3,38
